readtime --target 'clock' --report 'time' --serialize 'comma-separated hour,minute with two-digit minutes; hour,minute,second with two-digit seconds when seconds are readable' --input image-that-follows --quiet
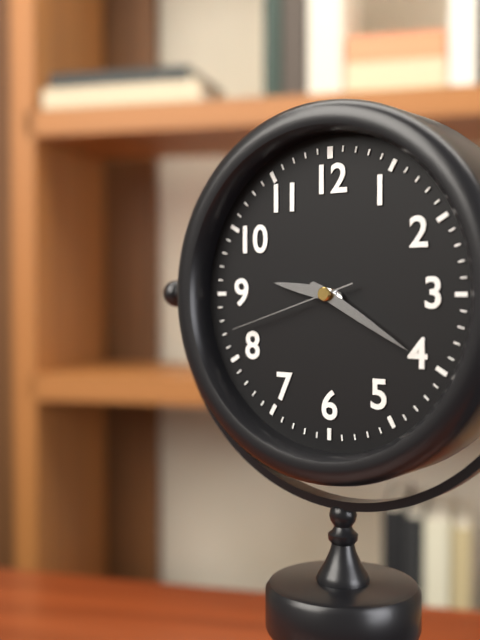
9,20,42
